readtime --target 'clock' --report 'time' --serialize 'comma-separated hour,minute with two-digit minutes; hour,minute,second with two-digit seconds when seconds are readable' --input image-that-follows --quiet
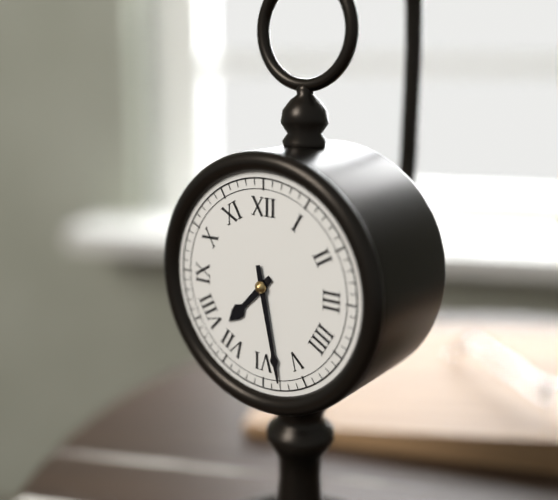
7,28
